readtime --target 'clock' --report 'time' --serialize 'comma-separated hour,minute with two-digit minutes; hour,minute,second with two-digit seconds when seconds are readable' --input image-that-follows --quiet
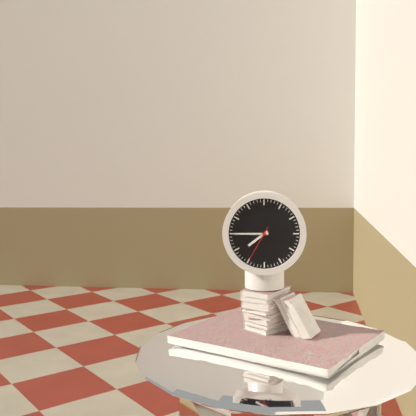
7,45
